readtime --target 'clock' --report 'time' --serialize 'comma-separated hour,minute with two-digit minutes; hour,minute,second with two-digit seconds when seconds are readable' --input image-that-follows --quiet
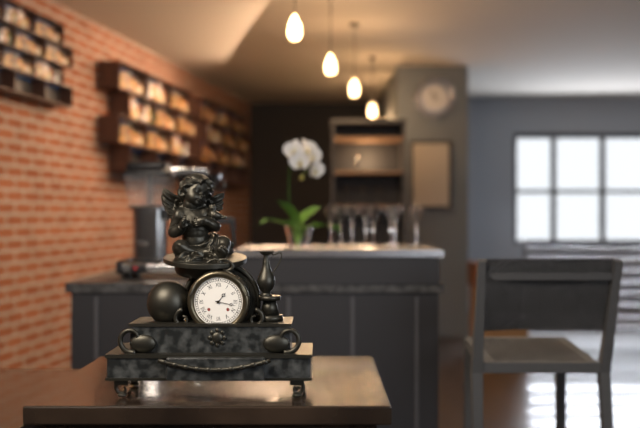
1,17
